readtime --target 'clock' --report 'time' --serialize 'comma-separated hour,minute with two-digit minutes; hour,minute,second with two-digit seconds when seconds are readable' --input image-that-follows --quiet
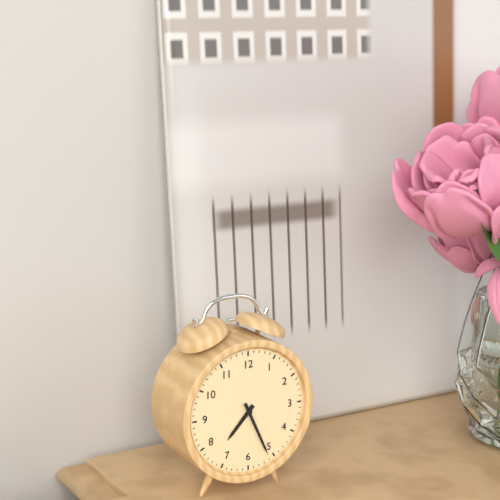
7,26
